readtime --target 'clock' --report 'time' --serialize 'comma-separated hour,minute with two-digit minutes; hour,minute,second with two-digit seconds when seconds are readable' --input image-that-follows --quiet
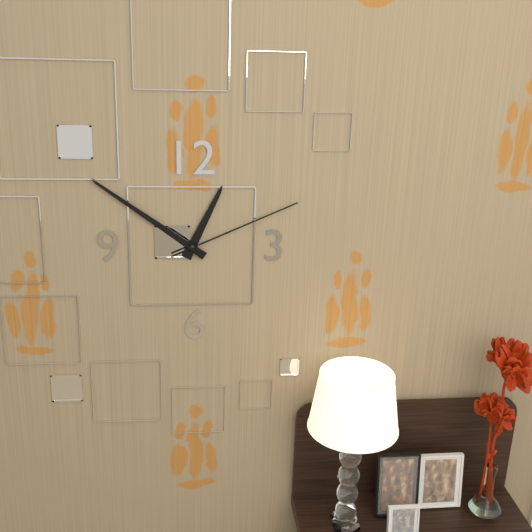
12,51,11
